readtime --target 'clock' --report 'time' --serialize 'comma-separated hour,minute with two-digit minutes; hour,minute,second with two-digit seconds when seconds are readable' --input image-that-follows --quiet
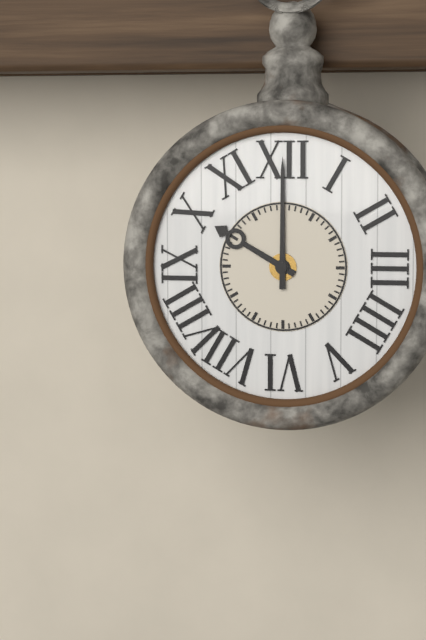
10,00
